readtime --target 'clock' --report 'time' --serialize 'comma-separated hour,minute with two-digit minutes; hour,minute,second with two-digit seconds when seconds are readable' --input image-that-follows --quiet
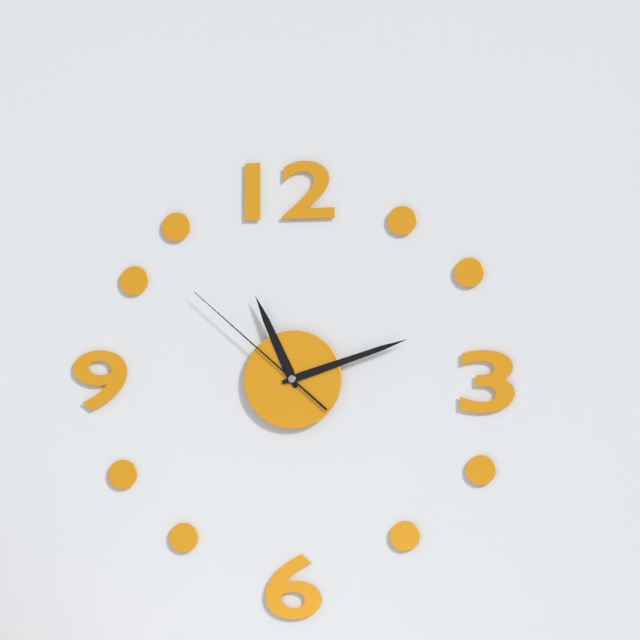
11,12,52
